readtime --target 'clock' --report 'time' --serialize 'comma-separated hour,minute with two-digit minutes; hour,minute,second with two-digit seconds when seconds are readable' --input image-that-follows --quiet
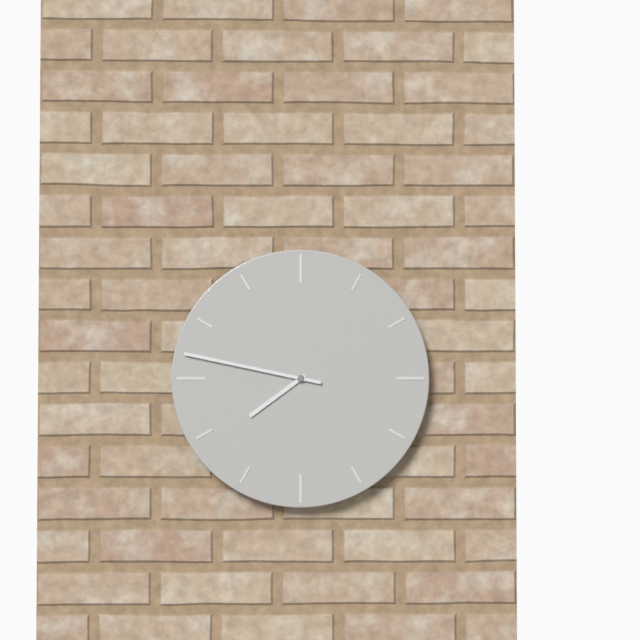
7,47
